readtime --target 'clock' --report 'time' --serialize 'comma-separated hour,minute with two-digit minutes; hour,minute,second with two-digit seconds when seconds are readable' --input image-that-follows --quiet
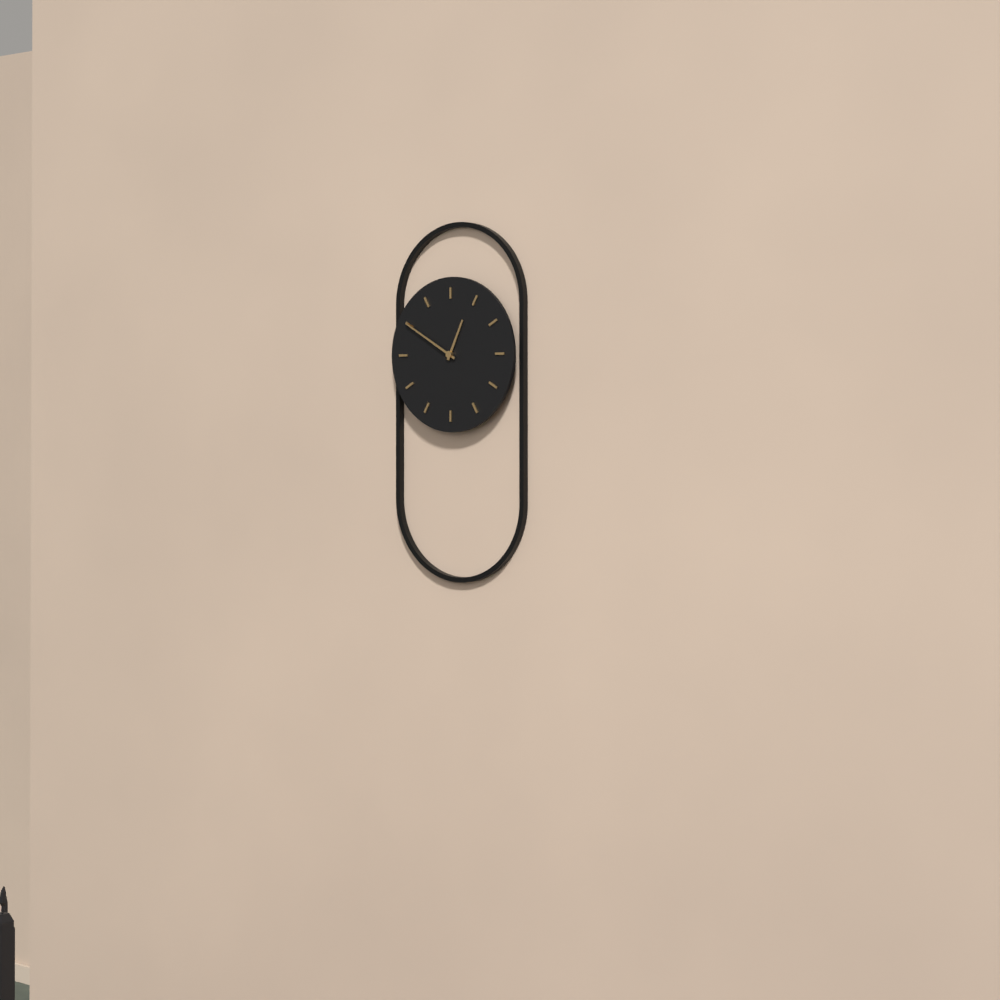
12,50
